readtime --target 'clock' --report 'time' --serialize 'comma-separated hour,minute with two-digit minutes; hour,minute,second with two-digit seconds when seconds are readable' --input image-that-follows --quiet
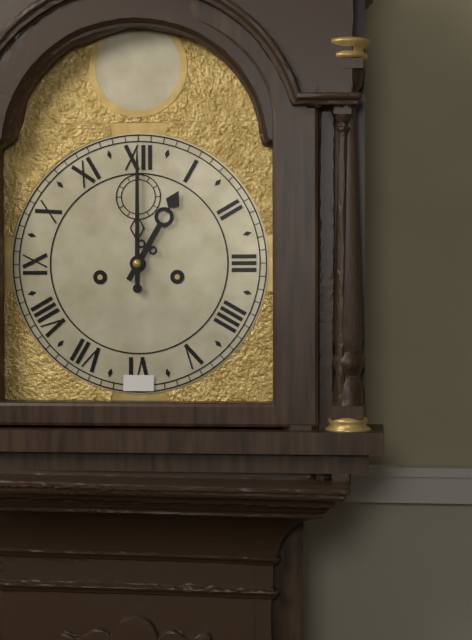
1,00
